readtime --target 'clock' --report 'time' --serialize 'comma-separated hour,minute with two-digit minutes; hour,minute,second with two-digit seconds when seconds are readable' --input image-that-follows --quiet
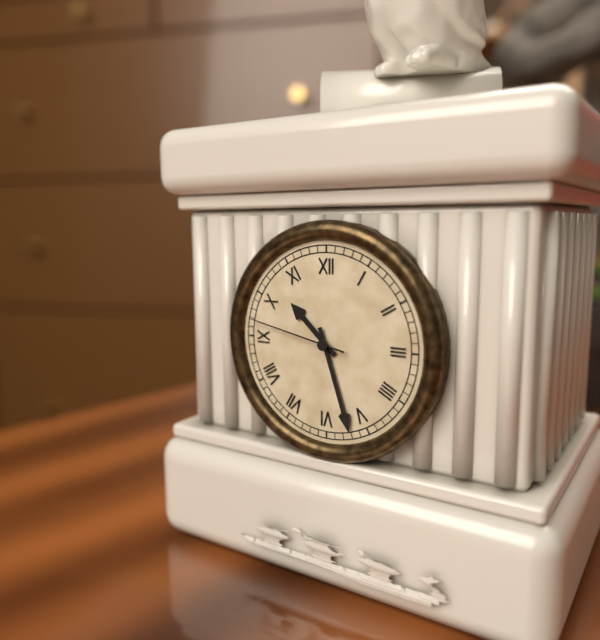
10,27,47
